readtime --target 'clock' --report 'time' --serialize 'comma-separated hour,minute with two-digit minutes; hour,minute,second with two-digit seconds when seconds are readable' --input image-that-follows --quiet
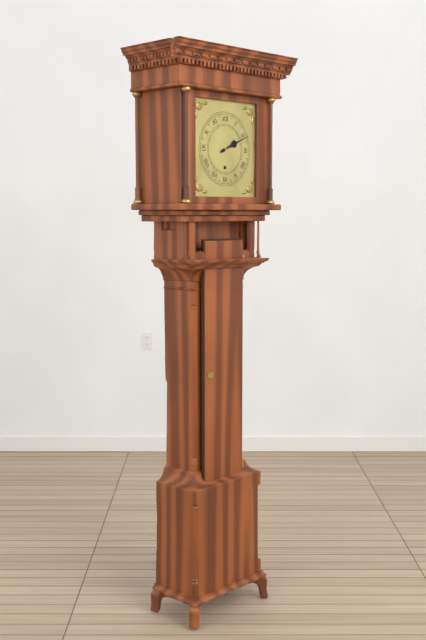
2,11
